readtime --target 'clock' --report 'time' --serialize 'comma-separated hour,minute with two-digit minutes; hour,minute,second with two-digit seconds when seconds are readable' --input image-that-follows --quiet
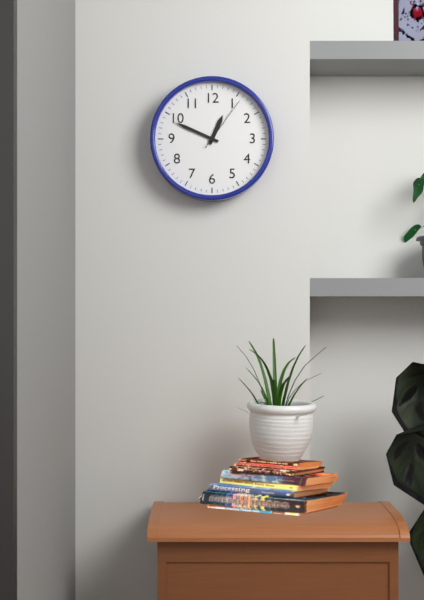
12,49,06
